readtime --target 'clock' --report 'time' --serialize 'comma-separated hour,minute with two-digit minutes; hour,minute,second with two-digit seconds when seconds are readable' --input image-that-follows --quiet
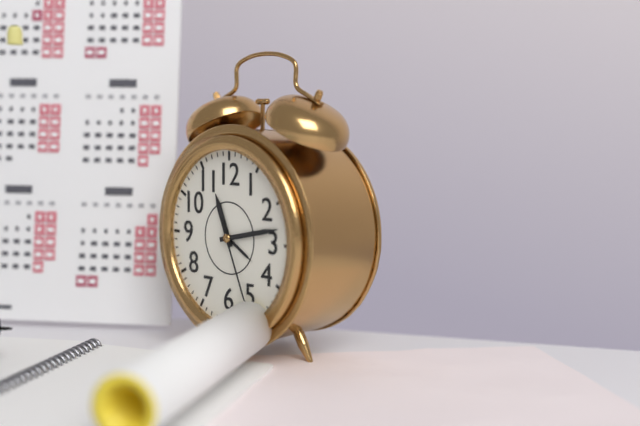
11,13,26
